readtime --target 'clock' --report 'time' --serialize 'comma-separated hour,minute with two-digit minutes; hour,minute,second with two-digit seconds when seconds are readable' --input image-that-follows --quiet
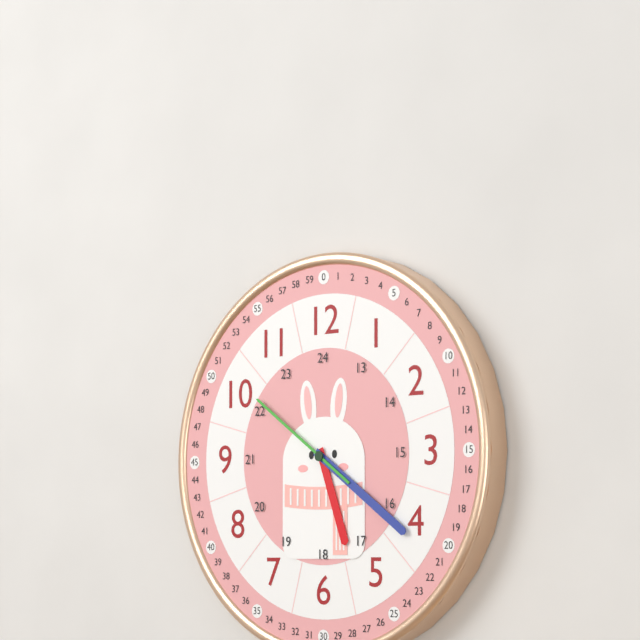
5,21,51
